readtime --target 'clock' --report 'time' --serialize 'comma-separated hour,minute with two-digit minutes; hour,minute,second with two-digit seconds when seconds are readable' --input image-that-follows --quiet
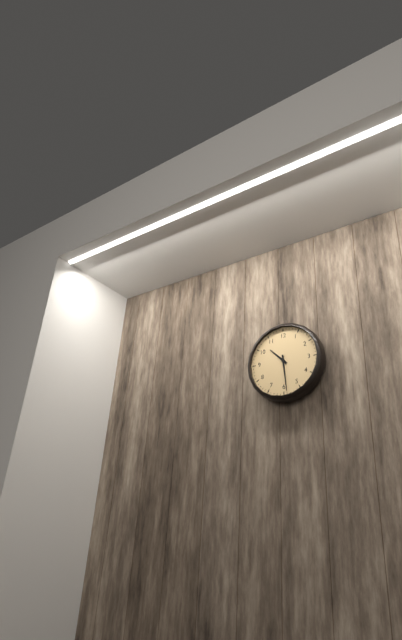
10,29
